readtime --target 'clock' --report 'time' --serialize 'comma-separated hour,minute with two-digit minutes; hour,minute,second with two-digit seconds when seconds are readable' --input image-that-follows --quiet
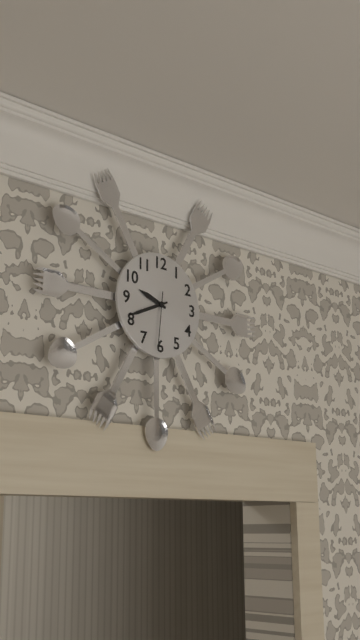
9,41,31
